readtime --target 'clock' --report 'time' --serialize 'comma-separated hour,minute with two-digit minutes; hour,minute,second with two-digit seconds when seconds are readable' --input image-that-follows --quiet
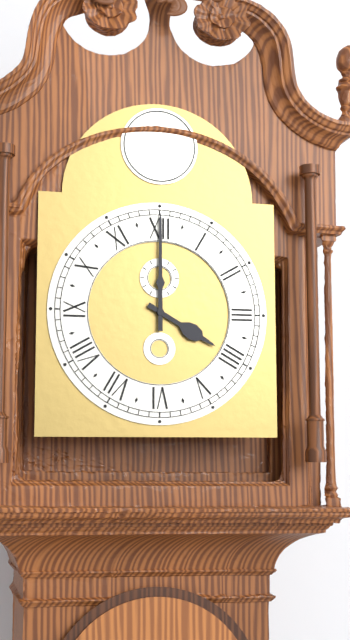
4,00
